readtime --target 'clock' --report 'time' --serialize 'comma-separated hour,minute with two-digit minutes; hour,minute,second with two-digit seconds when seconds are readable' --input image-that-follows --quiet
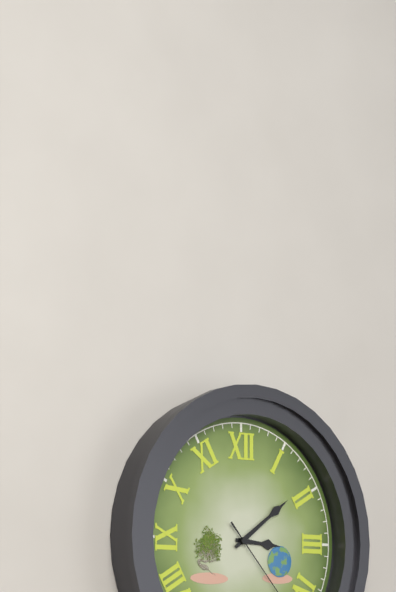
3,09
